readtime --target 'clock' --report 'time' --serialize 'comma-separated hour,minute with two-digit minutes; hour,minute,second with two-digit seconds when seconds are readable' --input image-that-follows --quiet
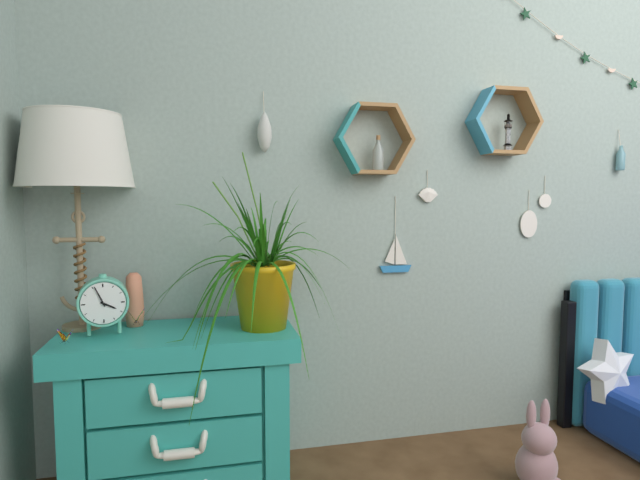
3,56
